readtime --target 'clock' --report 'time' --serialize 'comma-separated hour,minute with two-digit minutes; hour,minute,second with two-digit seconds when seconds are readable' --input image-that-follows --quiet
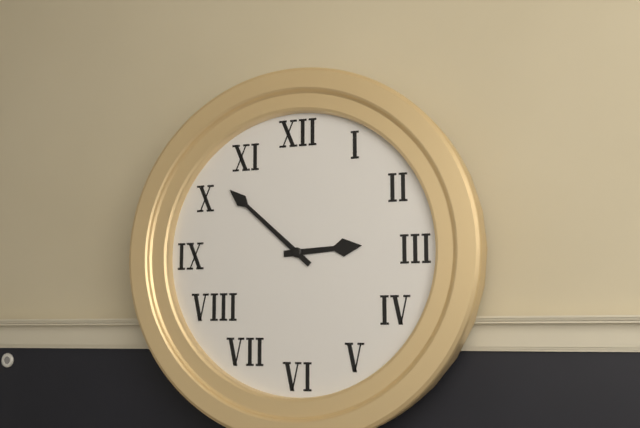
2,52
